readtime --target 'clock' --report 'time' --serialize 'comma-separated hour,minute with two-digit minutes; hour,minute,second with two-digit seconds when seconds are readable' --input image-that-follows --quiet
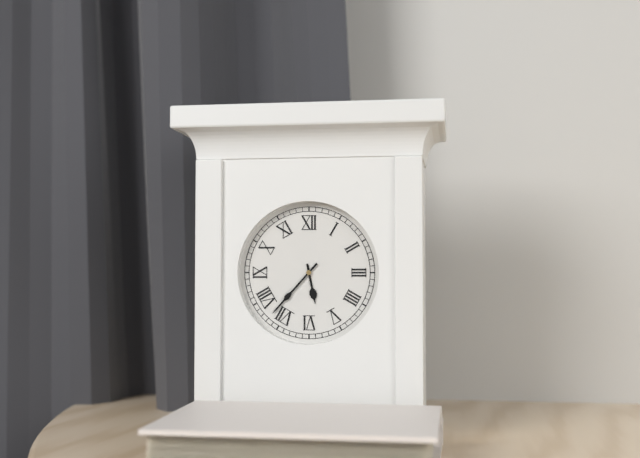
5,37
